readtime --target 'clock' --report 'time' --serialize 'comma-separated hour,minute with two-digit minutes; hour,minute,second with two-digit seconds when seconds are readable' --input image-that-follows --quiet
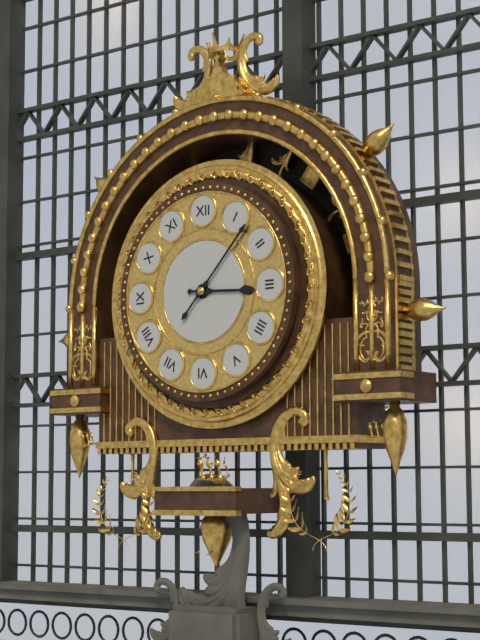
3,07
